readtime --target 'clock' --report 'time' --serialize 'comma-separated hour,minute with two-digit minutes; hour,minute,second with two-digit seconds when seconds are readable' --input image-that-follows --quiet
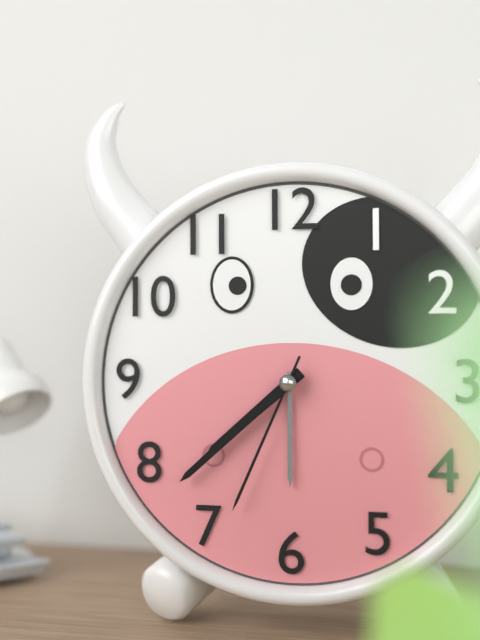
7,38,34
